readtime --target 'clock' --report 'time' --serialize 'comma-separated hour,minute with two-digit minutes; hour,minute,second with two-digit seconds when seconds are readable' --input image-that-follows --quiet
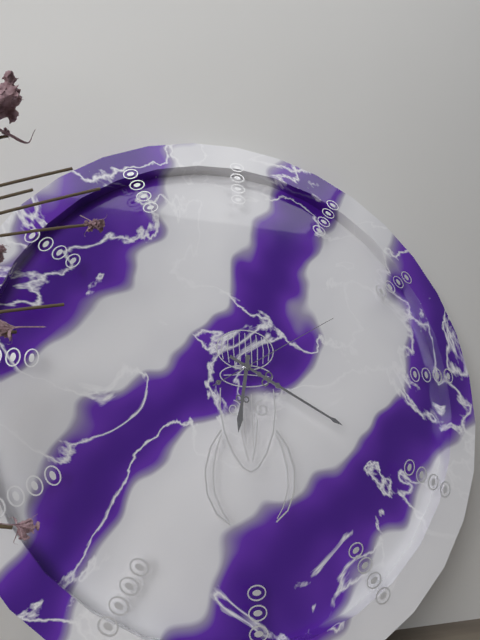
6,20,10
